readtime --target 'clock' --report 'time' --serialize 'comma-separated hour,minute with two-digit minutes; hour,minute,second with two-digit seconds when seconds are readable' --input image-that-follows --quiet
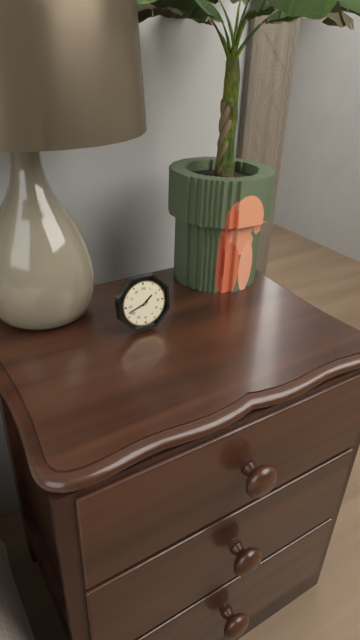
1,42
